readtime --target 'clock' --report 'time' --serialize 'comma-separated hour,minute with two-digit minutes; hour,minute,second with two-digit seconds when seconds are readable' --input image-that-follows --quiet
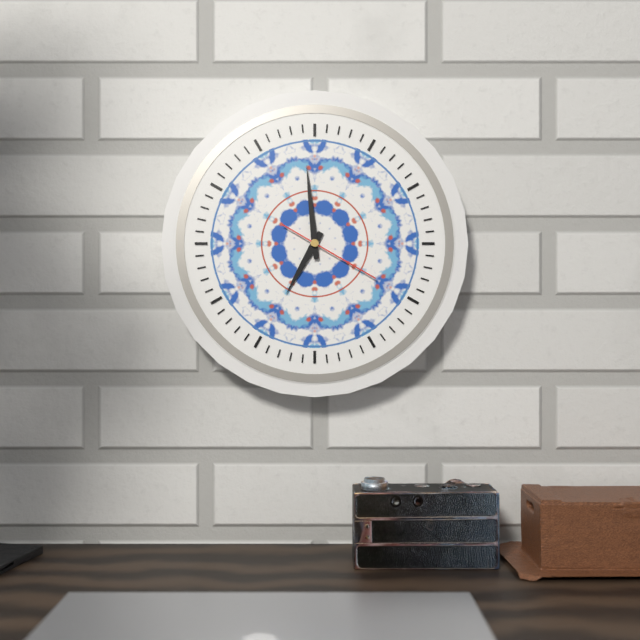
6,59,20
